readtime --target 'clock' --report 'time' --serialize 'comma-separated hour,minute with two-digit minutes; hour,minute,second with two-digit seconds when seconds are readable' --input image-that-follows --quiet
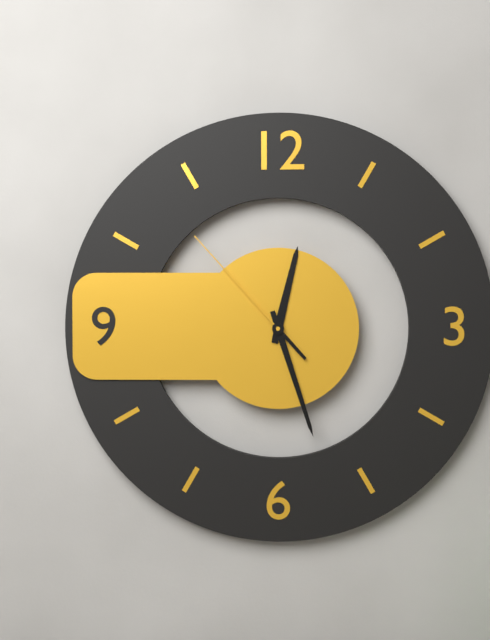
12,27,53
